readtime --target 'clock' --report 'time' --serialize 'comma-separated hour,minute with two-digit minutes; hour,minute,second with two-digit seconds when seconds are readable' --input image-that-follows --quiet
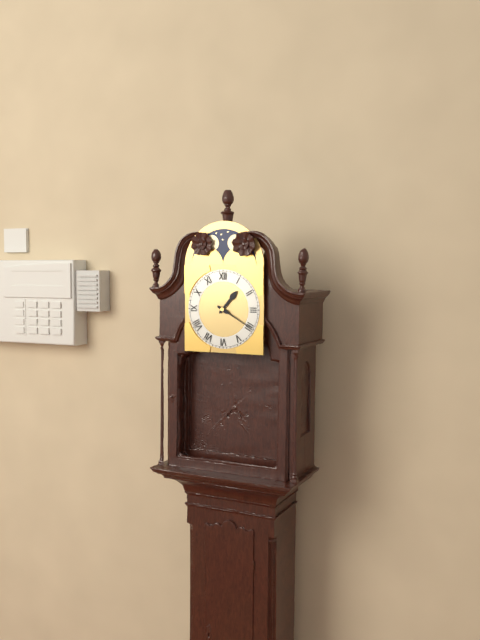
1,20
